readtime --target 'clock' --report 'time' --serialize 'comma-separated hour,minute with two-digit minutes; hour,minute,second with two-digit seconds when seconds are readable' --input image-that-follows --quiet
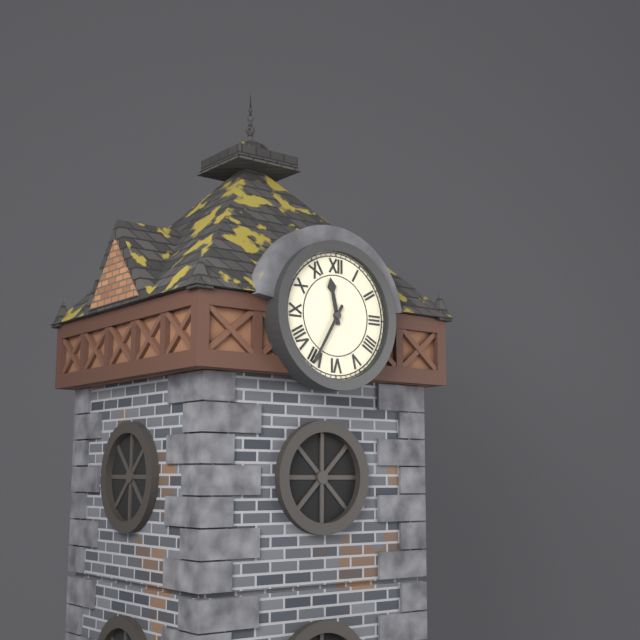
11,35
